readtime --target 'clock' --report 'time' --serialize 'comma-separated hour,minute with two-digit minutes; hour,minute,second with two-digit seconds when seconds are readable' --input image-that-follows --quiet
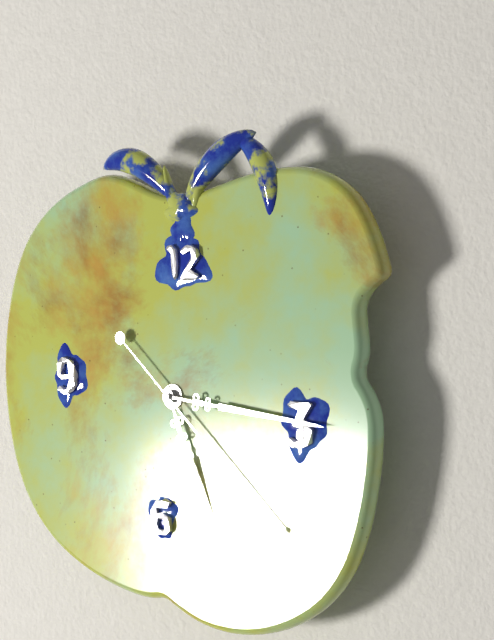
5,16,22
